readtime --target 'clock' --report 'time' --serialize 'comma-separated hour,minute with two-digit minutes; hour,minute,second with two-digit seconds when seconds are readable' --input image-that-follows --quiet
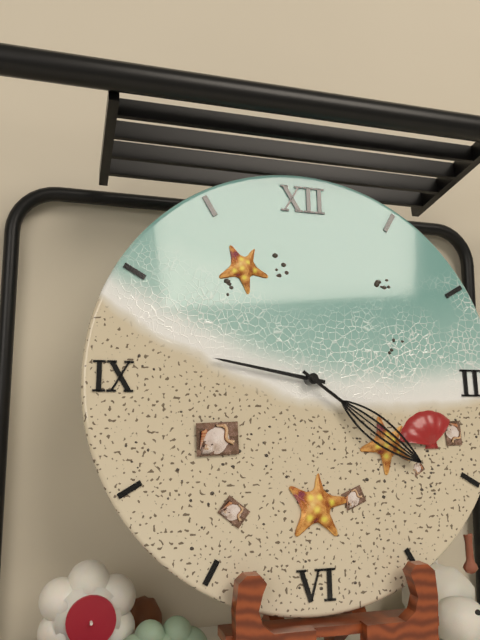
9,21
